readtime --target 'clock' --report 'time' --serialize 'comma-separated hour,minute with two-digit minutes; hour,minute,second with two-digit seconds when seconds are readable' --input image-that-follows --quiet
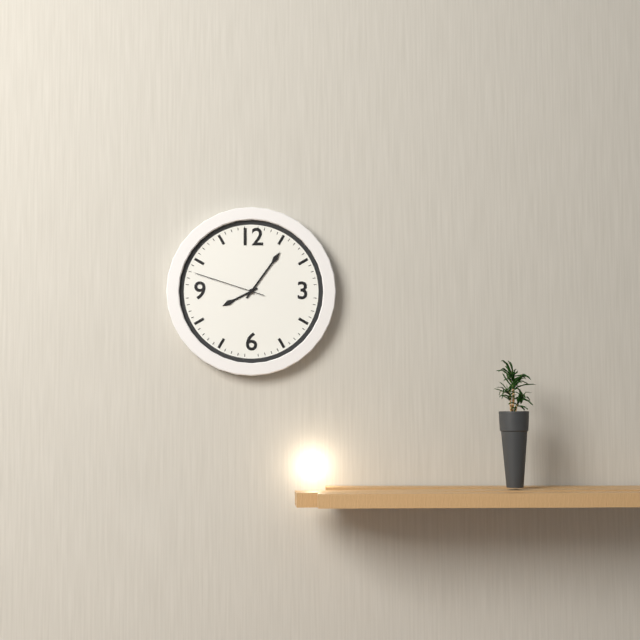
8,06,48
